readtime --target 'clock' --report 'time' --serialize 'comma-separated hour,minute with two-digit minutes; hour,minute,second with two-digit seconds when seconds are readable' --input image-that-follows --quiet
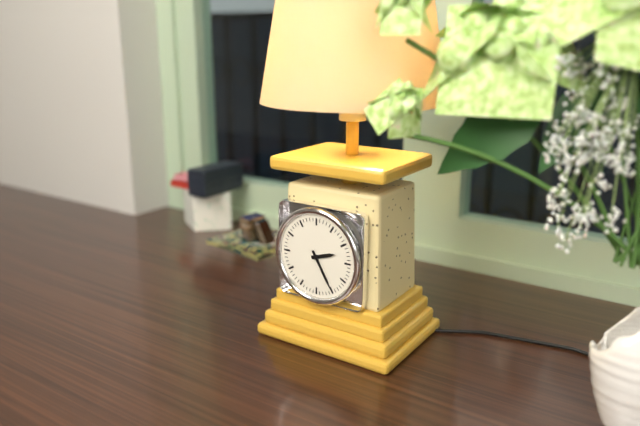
2,25
